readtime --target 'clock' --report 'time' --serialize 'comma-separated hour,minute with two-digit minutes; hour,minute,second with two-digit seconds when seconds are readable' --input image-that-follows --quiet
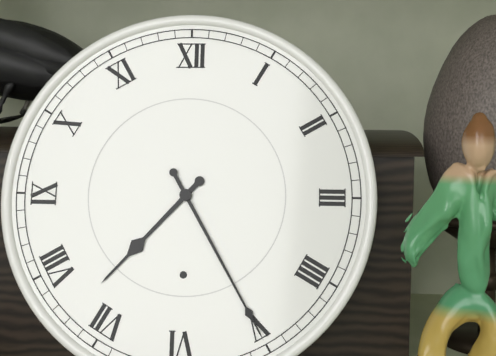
7,25
